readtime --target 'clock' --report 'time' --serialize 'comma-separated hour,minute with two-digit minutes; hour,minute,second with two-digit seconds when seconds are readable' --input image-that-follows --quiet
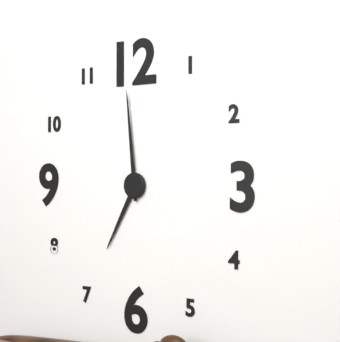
6,59
